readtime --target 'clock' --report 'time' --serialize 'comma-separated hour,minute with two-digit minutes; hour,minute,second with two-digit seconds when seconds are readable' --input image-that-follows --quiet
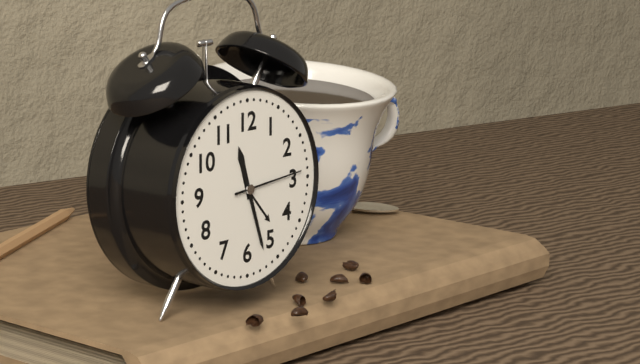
11,27,14
